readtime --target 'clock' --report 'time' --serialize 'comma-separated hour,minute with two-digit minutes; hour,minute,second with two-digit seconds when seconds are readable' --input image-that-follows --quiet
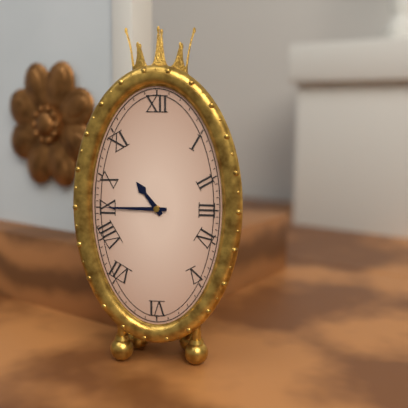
10,45
